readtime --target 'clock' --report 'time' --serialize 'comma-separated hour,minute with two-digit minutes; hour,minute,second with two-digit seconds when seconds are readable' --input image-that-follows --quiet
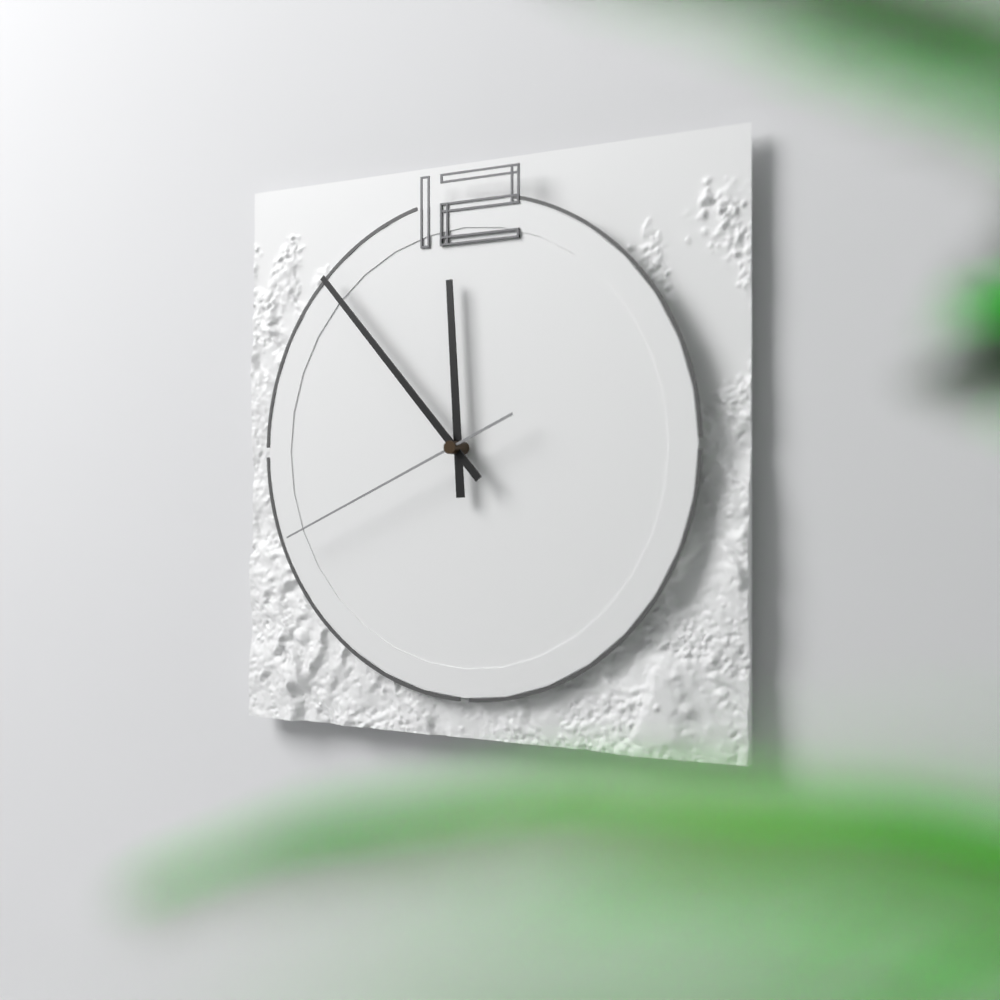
11,53,41
